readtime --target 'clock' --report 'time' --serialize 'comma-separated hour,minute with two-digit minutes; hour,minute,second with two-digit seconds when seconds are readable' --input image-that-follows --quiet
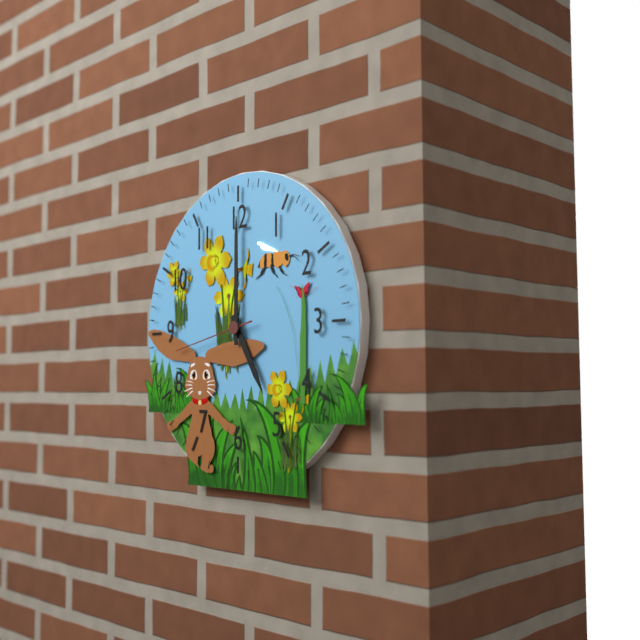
5,00,43
